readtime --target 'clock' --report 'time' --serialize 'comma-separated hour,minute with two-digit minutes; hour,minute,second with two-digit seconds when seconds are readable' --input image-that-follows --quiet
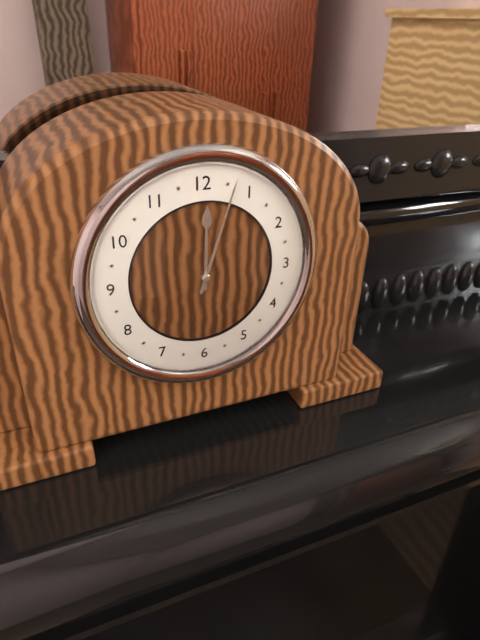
12,03
